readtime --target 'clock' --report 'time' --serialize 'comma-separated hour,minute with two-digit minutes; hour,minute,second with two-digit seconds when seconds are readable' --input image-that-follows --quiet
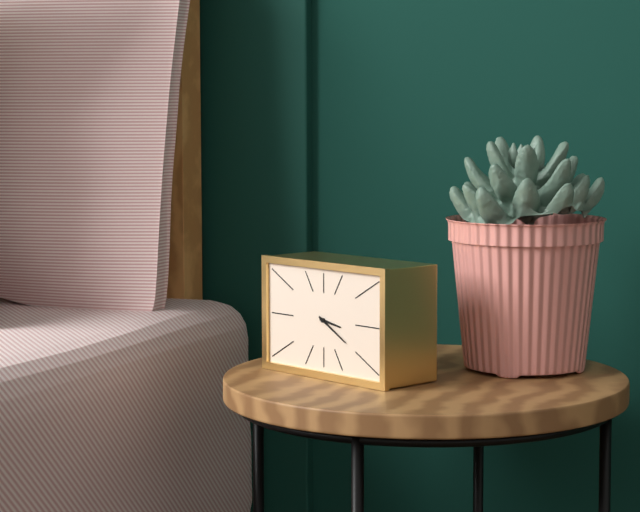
3,20
